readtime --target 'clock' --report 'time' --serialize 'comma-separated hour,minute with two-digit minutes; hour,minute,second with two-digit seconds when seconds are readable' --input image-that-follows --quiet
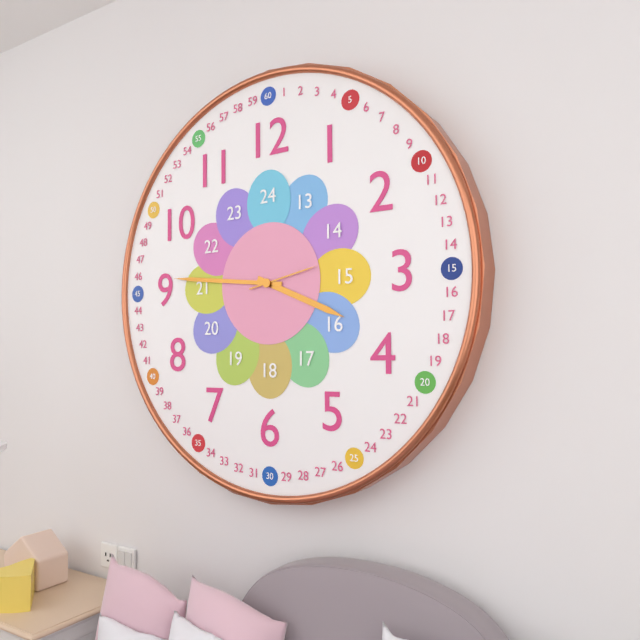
3,46,13
